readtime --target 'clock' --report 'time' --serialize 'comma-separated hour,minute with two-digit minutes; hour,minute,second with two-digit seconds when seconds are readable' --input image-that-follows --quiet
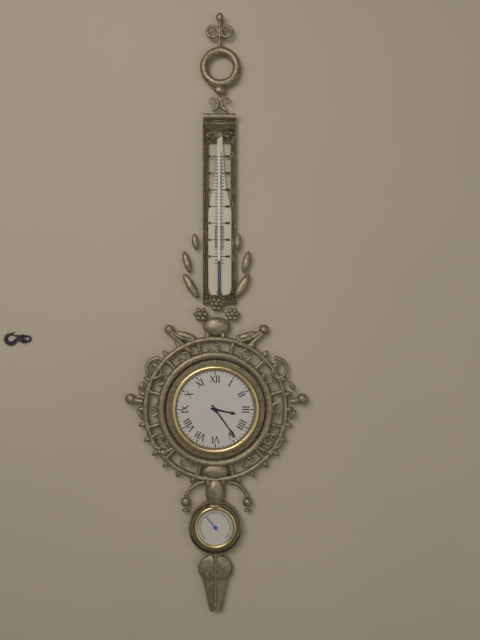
3,24
